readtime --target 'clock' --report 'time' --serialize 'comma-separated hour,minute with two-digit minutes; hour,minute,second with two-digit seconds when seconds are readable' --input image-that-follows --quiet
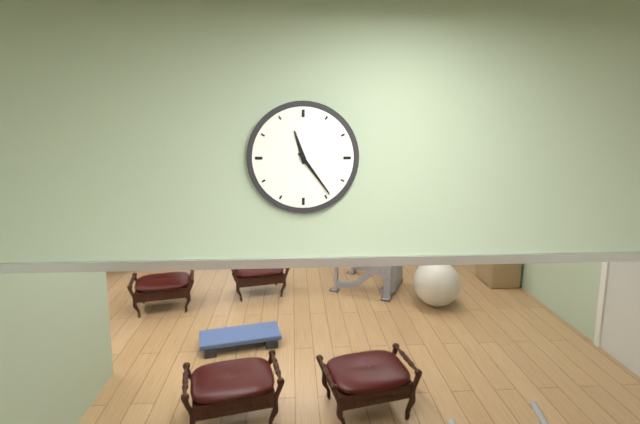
11,24
